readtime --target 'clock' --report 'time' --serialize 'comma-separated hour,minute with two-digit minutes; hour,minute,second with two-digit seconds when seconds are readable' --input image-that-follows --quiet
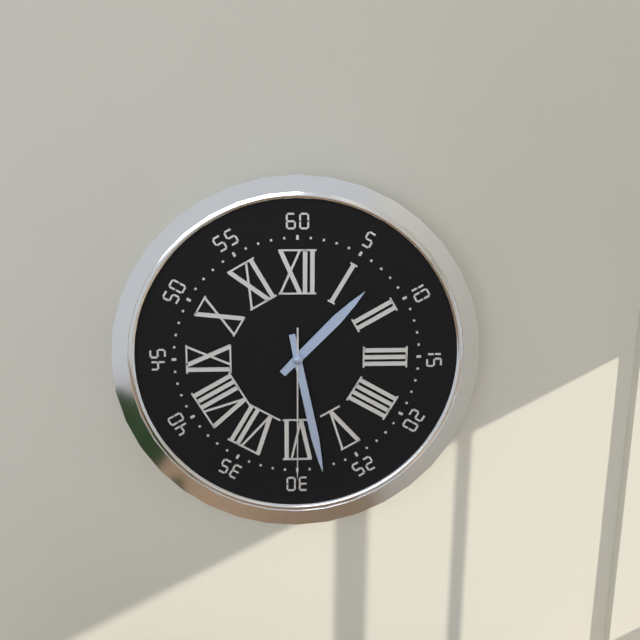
1,28,30
